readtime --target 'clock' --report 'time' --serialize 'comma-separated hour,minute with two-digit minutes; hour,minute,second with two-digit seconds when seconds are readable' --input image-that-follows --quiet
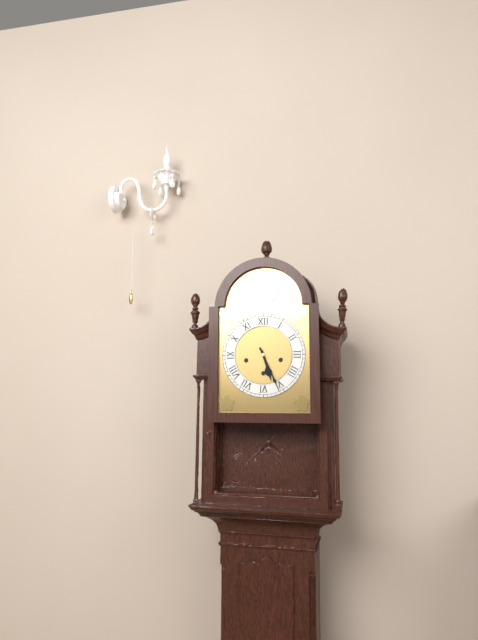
5,26
